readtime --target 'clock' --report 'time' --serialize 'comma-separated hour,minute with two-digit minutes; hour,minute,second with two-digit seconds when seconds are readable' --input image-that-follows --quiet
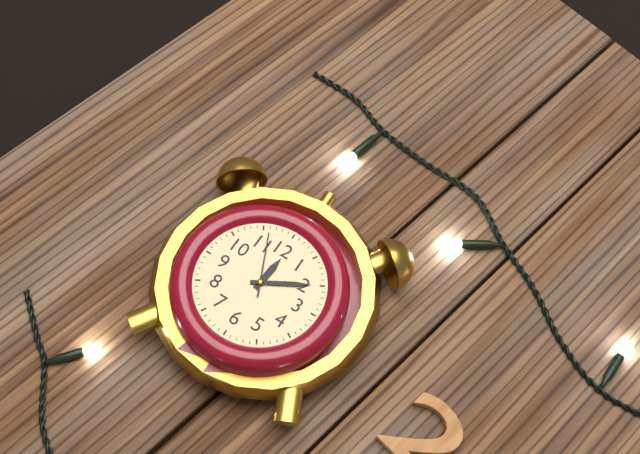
12,10,56
